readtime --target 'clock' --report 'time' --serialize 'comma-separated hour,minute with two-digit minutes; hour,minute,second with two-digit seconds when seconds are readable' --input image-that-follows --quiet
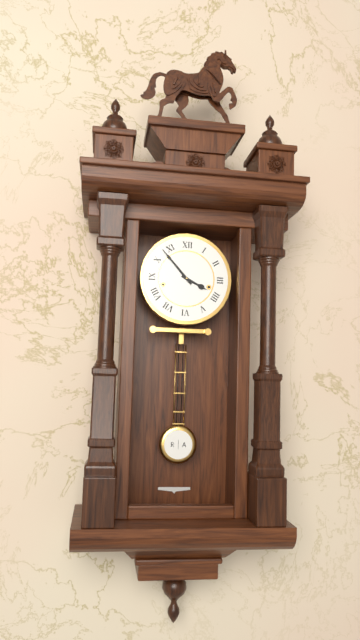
3,53
